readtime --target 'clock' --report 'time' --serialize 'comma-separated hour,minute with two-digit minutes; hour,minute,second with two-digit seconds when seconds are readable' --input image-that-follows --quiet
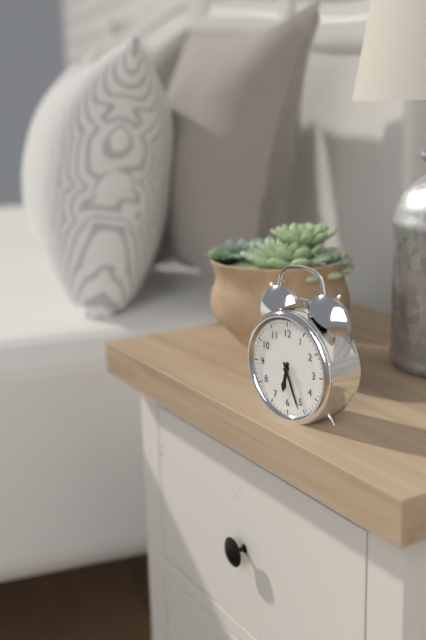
6,26
